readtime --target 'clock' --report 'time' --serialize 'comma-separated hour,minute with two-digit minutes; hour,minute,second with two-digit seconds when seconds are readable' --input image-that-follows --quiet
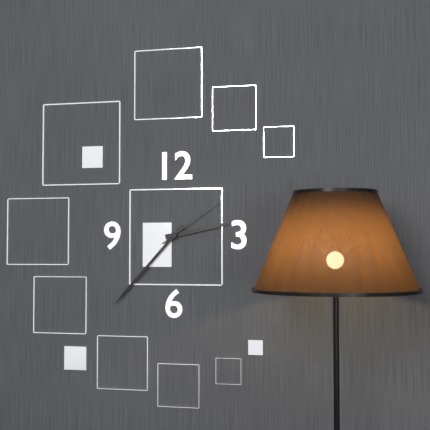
2,37,09
